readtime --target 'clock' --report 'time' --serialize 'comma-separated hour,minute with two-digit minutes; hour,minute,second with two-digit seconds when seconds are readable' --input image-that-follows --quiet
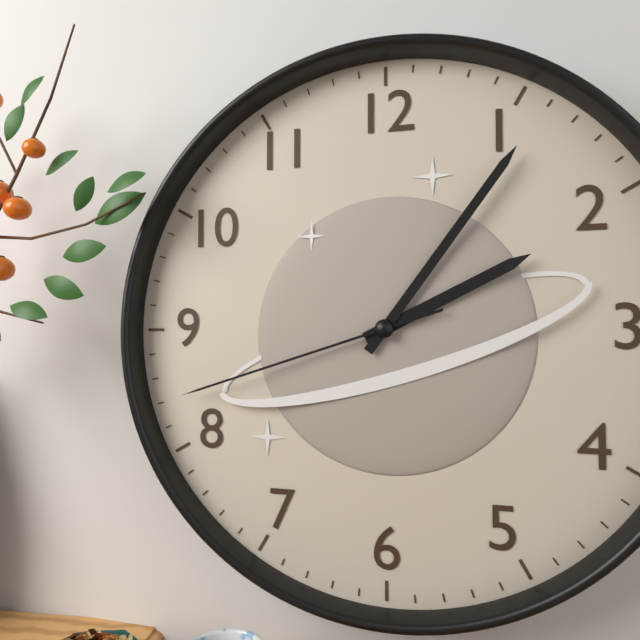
2,06,42
